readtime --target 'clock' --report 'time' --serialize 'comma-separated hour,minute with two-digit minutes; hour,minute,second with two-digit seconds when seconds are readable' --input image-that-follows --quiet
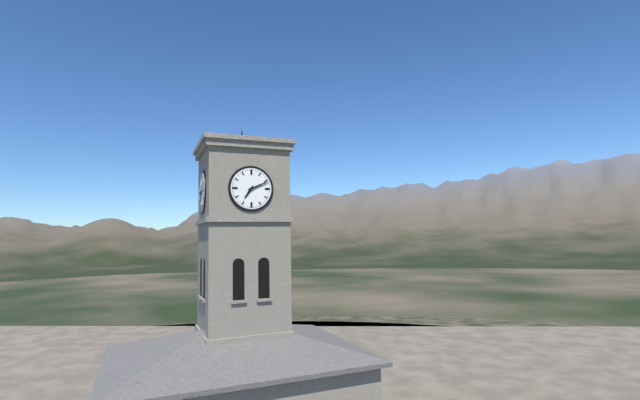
7,11
